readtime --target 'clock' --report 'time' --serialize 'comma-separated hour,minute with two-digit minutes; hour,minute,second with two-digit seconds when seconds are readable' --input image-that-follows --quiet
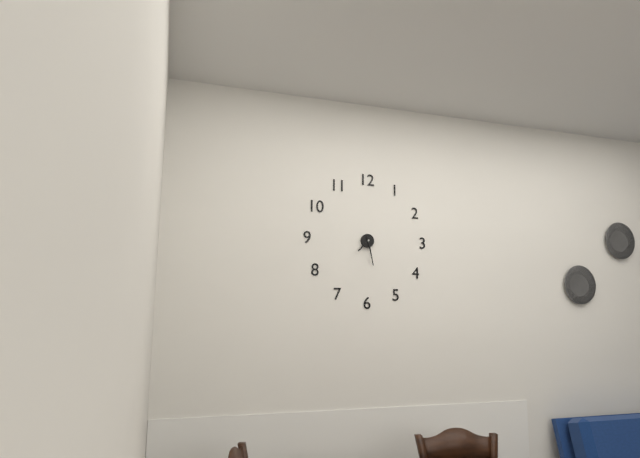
7,28
